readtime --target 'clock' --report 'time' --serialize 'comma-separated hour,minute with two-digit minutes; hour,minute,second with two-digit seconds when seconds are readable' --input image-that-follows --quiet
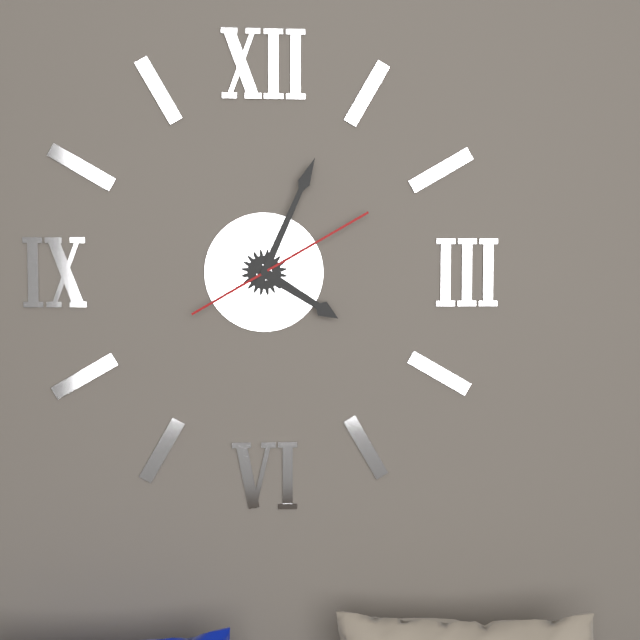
4,04,10
